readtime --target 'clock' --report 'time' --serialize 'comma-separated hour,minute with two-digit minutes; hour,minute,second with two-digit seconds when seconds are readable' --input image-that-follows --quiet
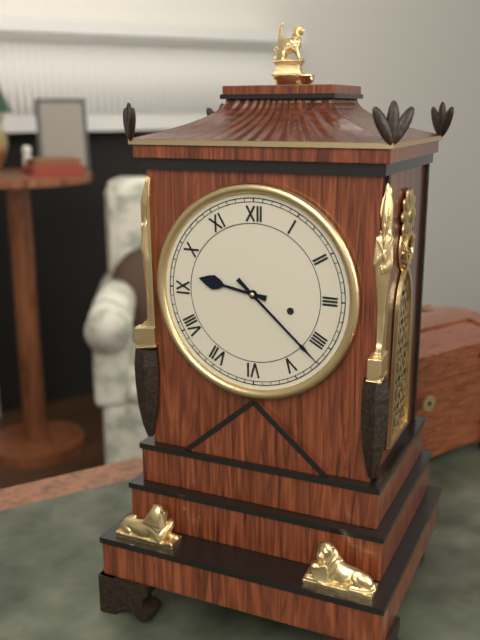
9,22
